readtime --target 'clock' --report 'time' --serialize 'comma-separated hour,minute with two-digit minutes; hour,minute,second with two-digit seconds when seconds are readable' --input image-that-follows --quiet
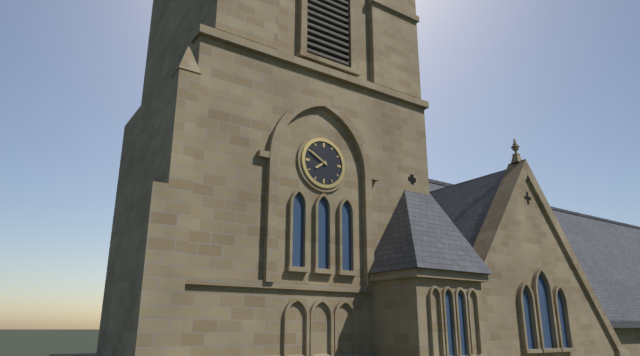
7,50
